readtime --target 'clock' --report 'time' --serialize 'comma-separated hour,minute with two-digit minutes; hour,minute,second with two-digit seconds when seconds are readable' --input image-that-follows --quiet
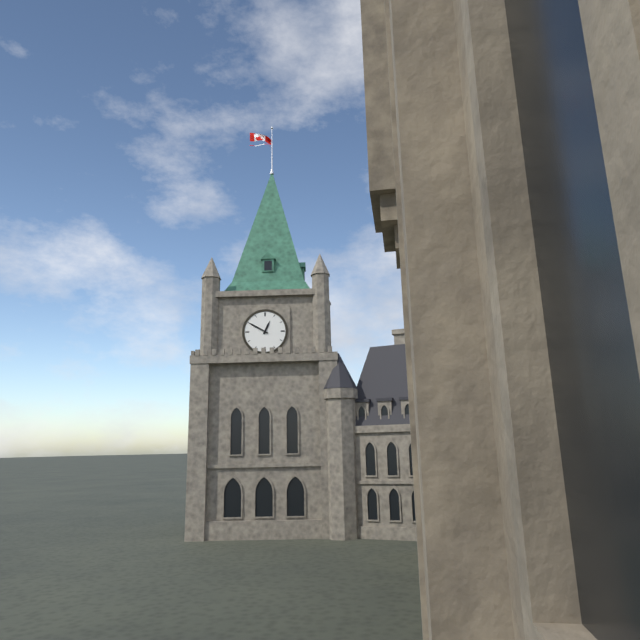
12,50
